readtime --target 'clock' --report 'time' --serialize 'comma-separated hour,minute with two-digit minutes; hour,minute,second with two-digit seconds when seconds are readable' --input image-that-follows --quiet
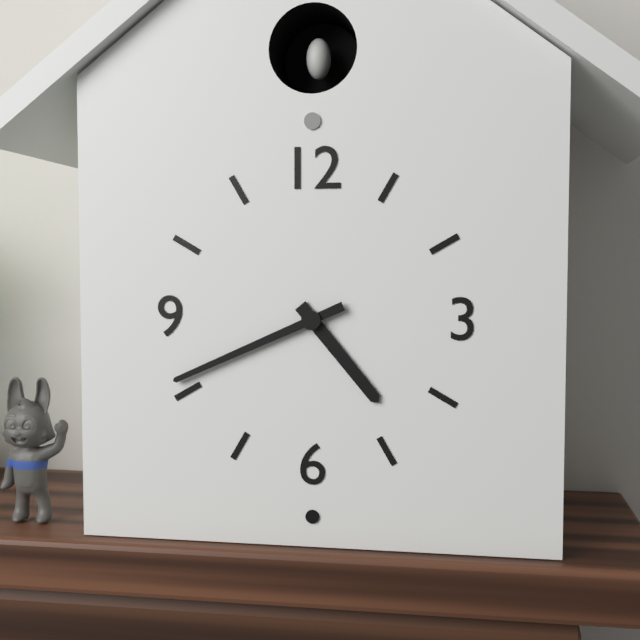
4,41
